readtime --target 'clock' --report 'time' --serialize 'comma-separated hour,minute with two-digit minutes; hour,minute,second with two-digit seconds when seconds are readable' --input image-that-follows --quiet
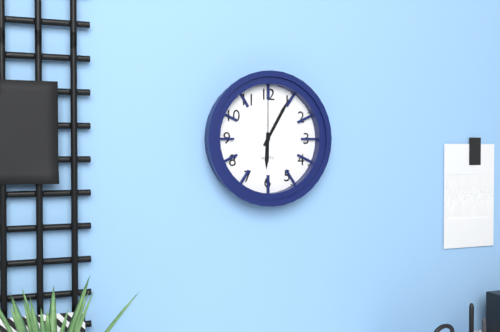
6,05,00
